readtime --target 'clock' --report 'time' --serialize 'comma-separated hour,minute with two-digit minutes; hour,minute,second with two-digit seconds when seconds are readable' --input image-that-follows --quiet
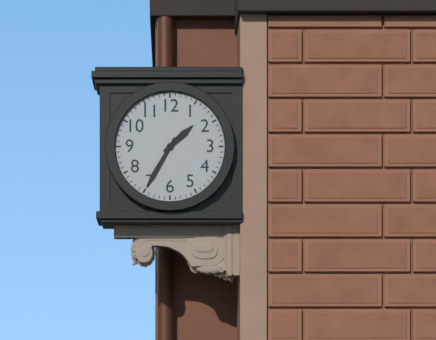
1,35
